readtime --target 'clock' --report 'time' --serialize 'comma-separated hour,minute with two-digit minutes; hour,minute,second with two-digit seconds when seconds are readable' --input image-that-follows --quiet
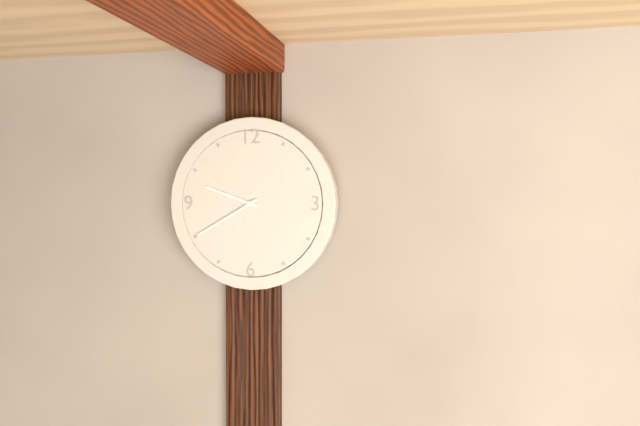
9,40
